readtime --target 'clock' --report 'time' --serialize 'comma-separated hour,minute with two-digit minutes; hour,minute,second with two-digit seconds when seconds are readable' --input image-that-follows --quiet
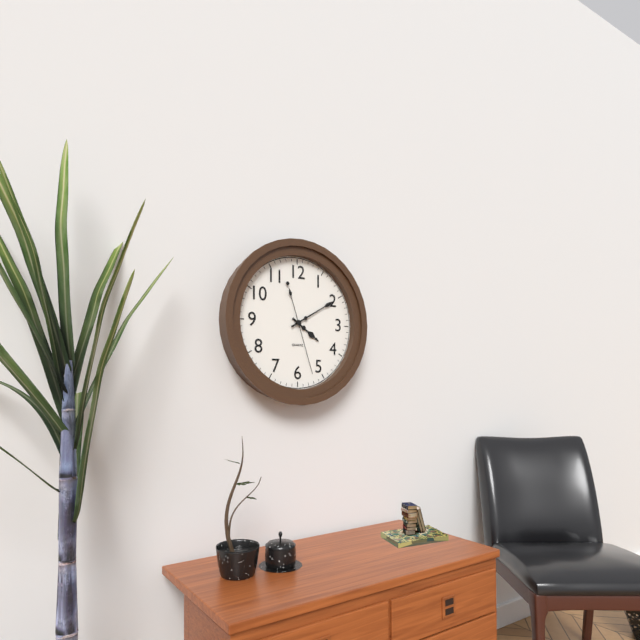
4,10,27
